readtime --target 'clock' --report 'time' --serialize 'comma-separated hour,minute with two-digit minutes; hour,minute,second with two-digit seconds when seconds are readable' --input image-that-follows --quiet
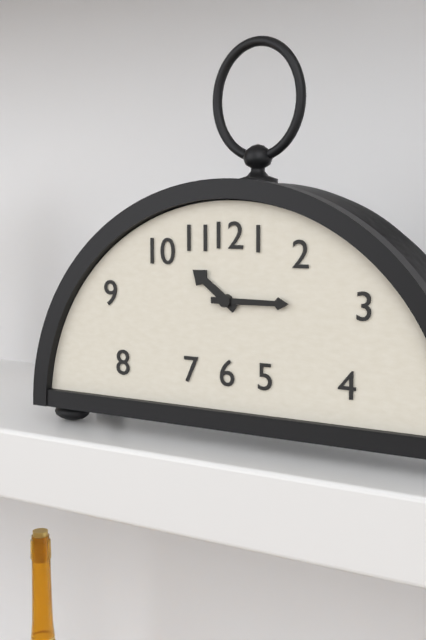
10,15
